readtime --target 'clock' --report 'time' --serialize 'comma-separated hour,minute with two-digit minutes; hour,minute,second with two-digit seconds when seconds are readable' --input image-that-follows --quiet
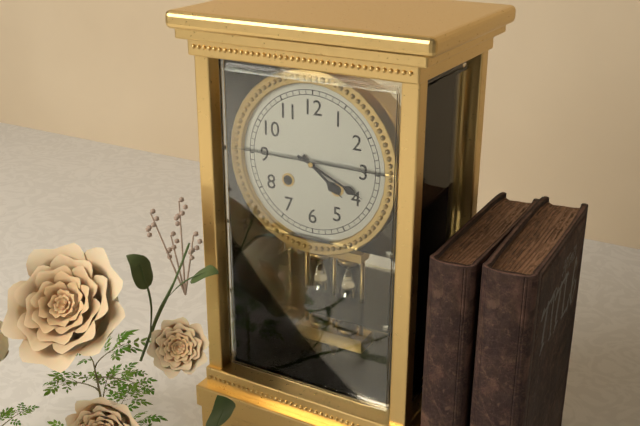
4,19
